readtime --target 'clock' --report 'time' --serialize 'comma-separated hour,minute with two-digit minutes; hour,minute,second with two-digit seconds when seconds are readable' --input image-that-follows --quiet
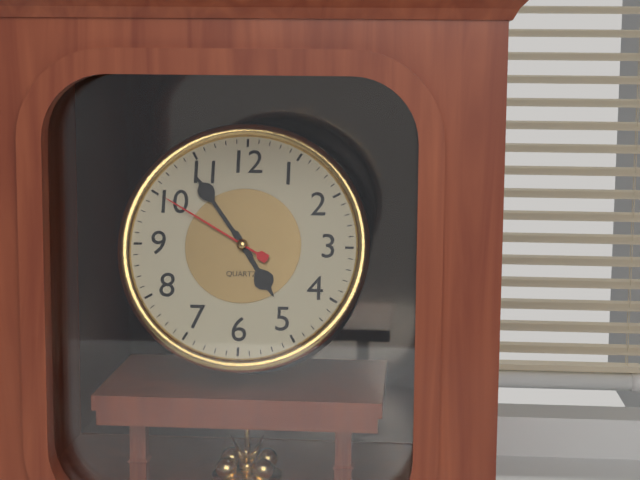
4,54,50
